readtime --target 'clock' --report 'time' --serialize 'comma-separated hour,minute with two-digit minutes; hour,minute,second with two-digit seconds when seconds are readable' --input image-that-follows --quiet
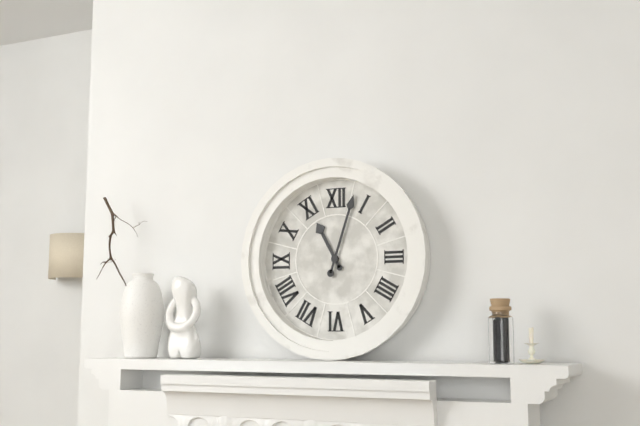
11,03
